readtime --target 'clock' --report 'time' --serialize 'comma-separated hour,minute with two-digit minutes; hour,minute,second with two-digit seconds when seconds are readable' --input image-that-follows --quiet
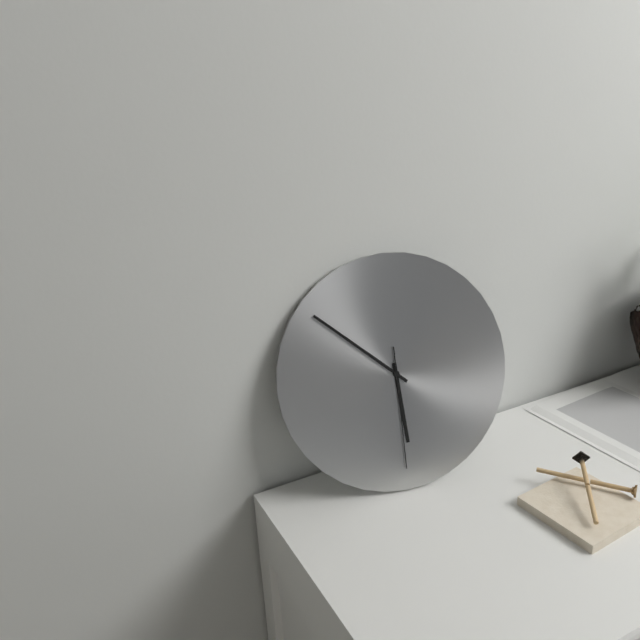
5,52,30
